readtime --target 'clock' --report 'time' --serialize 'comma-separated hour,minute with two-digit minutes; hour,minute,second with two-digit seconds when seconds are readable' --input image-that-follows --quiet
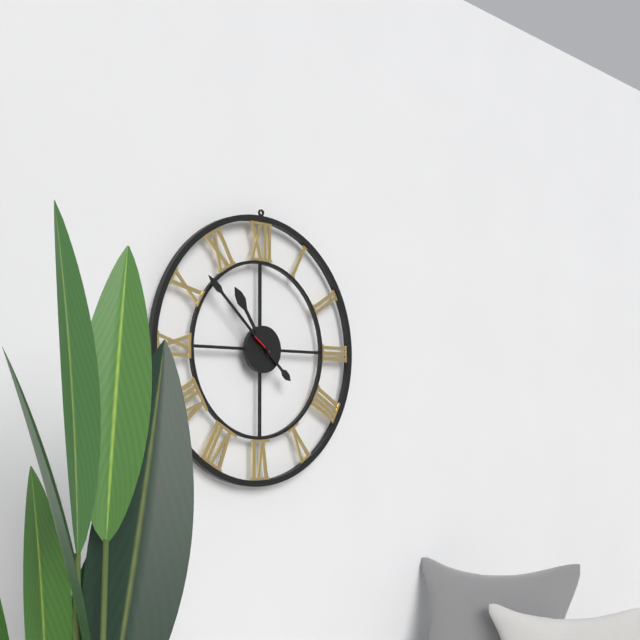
10,52
